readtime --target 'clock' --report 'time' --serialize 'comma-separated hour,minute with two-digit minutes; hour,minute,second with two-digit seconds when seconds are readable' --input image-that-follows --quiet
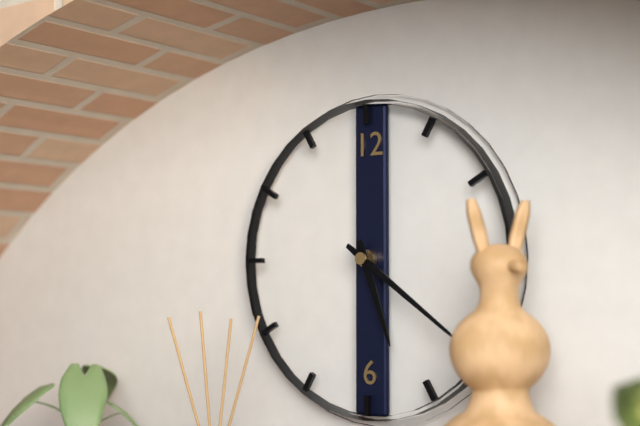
5,21
